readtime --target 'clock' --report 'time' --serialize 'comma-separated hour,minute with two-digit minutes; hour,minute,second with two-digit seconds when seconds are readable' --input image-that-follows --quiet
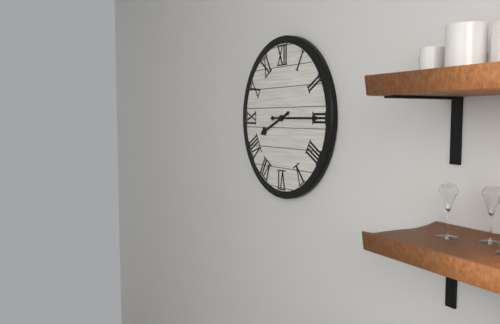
8,15
